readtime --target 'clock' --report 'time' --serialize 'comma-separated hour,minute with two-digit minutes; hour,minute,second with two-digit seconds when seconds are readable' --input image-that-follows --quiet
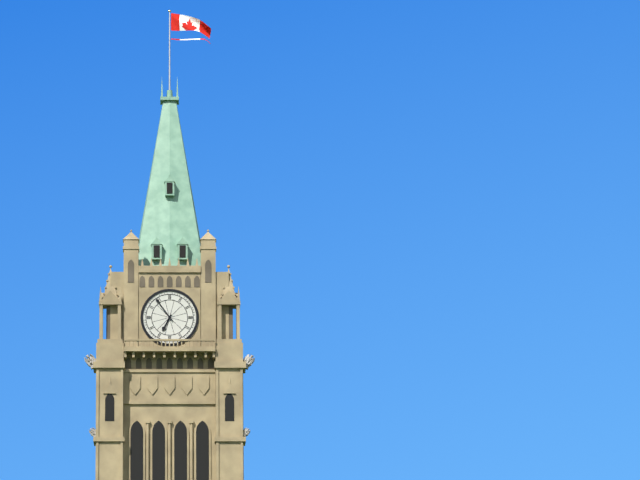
6,54
